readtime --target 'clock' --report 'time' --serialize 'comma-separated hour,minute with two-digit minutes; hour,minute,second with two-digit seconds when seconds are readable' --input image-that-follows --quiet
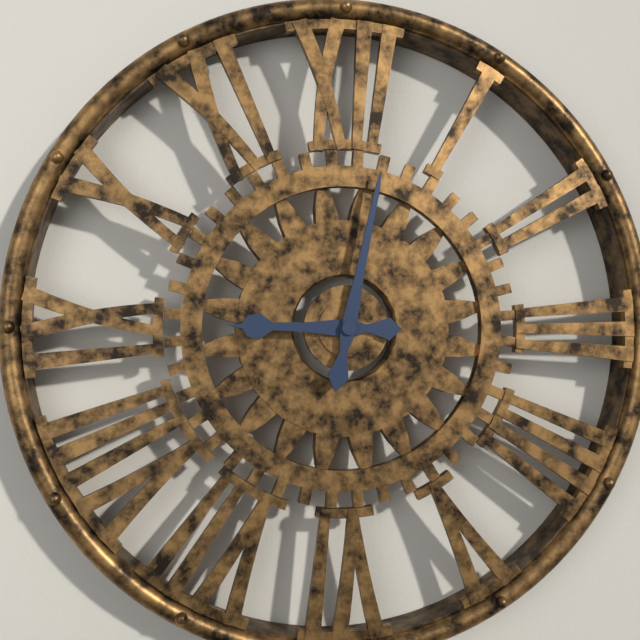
9,02
